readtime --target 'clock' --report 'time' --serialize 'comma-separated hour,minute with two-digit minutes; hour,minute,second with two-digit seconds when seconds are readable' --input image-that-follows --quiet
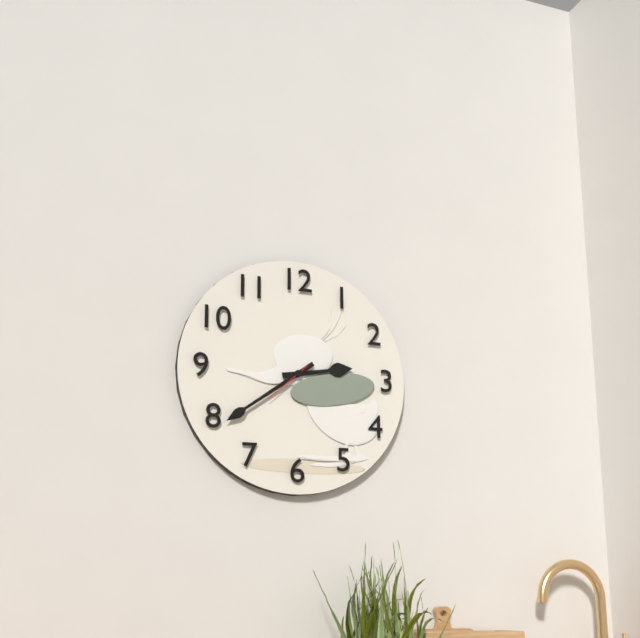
2,39
